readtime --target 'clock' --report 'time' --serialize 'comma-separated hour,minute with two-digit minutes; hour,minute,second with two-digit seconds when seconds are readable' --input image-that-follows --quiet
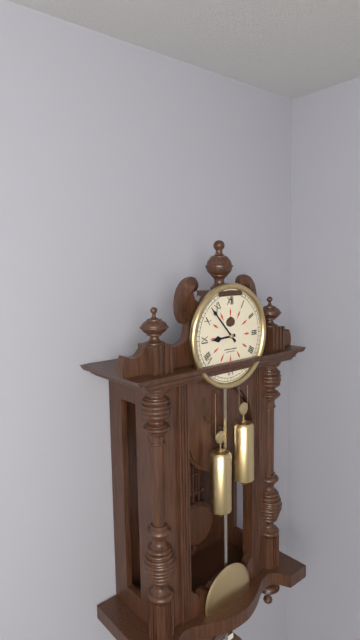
8,53
